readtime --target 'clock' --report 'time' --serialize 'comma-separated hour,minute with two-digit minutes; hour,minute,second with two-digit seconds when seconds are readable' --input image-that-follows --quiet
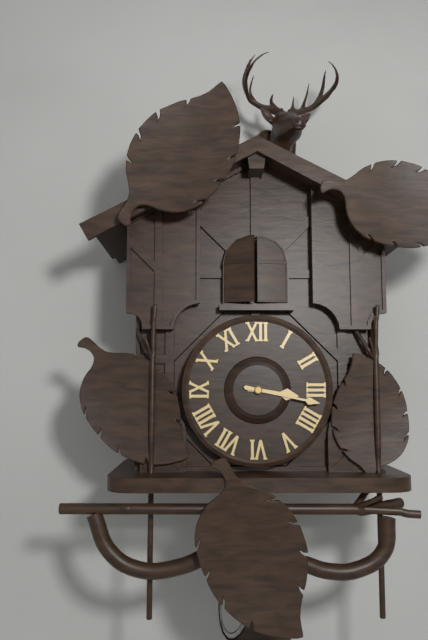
3,17
